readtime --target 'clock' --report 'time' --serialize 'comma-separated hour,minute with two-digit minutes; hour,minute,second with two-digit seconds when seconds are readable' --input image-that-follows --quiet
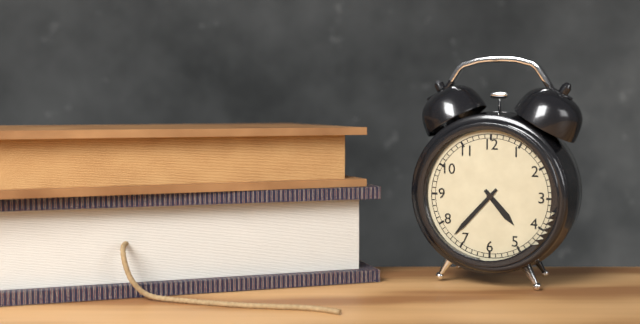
4,37
